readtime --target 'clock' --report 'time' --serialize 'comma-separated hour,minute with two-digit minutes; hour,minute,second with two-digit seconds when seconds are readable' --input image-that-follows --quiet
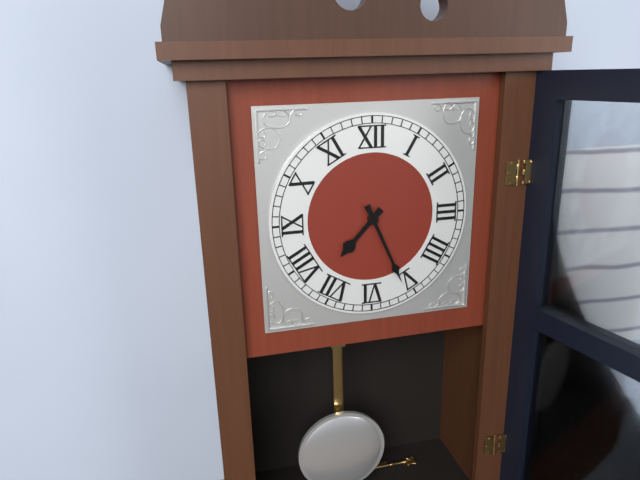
7,26
